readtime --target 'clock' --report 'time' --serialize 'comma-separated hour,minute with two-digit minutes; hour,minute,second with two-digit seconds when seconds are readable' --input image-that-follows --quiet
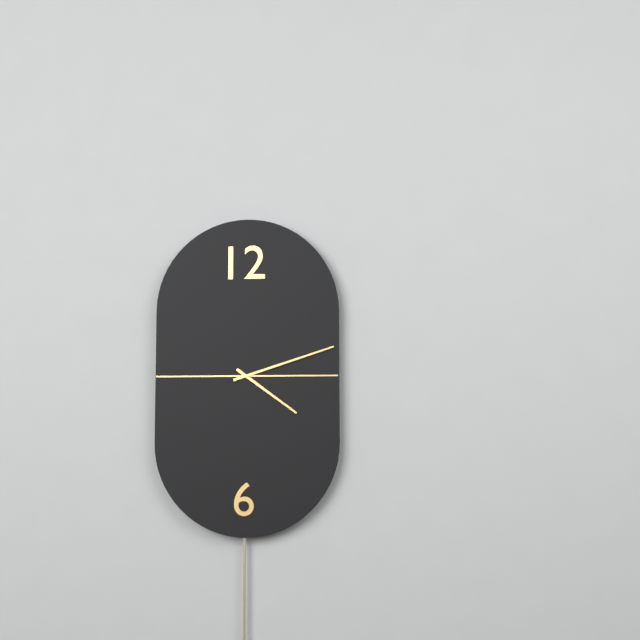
4,12
